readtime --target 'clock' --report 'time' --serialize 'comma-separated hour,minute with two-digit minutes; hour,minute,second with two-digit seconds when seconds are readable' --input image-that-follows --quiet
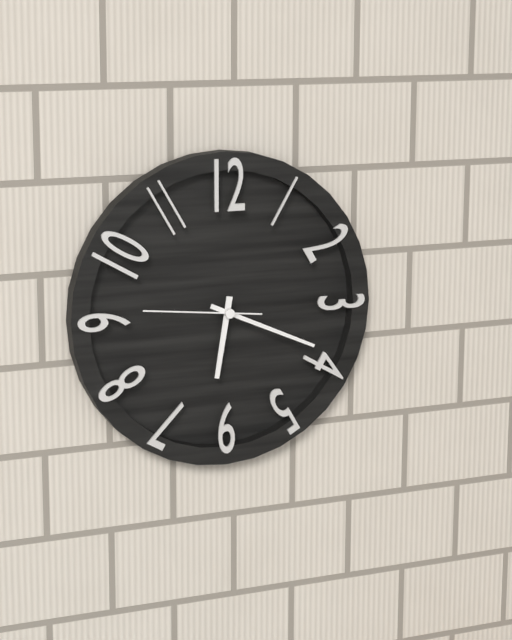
6,19,46
